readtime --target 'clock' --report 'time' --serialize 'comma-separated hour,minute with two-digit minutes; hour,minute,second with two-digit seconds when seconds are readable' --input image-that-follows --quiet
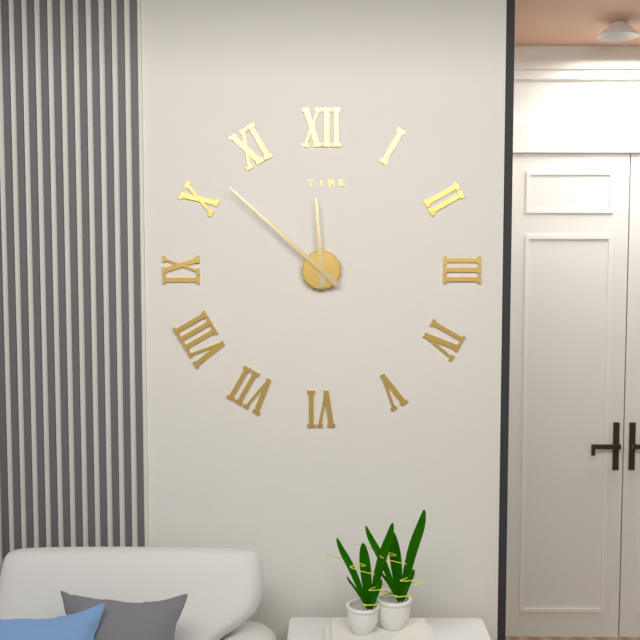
11,52
